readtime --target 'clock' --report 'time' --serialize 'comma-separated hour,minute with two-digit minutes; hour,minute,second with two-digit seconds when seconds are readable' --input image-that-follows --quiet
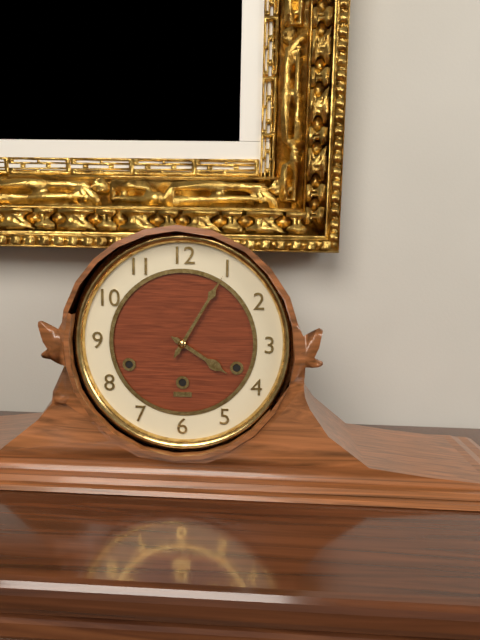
4,05
